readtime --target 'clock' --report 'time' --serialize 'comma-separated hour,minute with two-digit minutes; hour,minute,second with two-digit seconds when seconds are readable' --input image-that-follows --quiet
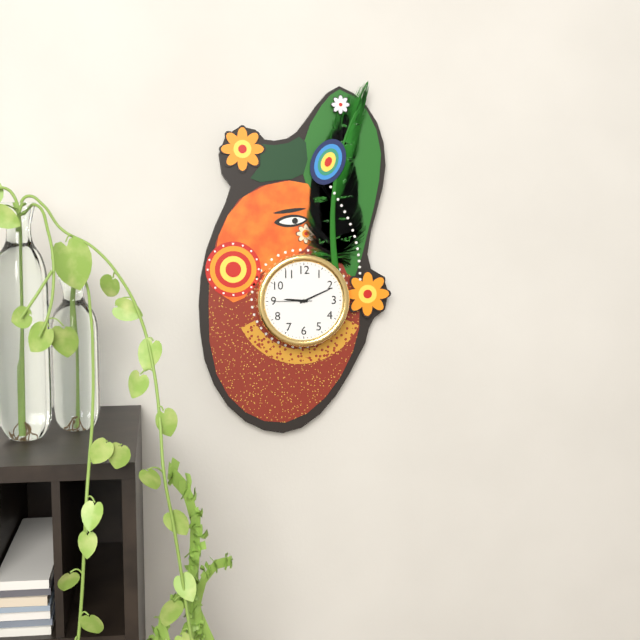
9,11
